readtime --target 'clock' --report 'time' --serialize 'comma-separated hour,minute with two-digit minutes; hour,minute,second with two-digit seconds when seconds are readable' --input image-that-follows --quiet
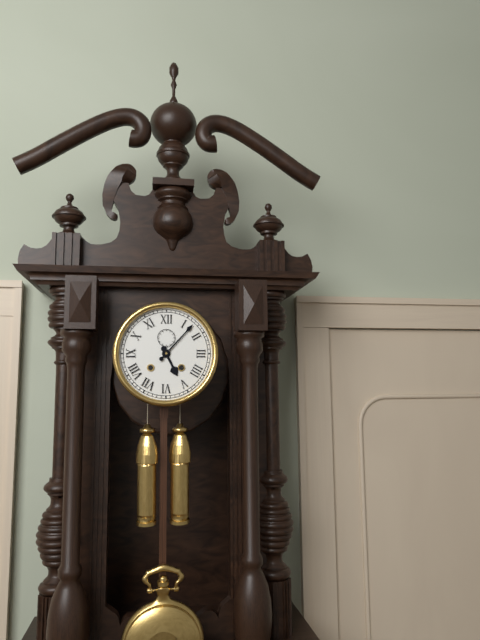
5,07
